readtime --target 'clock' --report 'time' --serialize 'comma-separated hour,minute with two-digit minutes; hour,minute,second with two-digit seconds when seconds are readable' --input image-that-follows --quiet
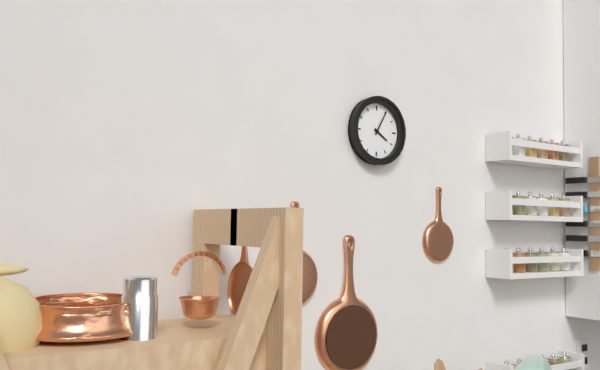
4,05
